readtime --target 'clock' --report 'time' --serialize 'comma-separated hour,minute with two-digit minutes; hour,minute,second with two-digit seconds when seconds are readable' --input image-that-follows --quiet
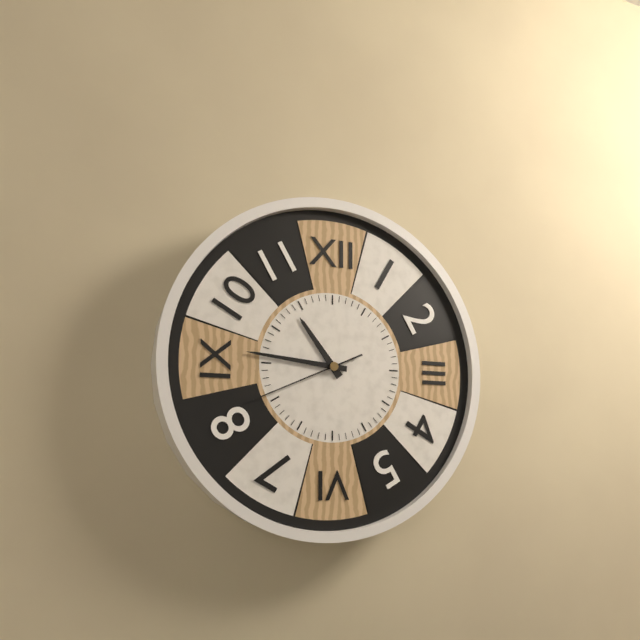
10,46,41
